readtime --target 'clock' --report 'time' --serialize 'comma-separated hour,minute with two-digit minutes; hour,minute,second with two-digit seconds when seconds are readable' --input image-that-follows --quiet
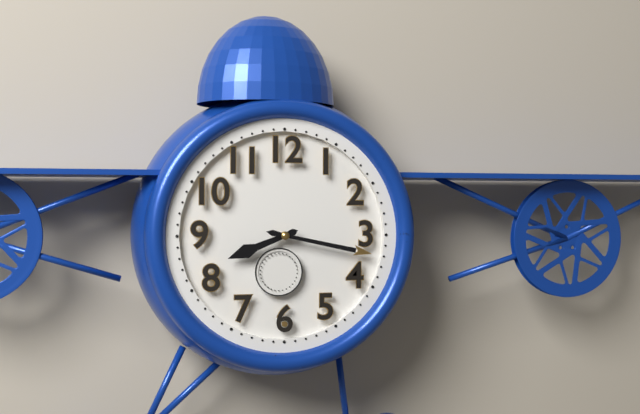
8,17
